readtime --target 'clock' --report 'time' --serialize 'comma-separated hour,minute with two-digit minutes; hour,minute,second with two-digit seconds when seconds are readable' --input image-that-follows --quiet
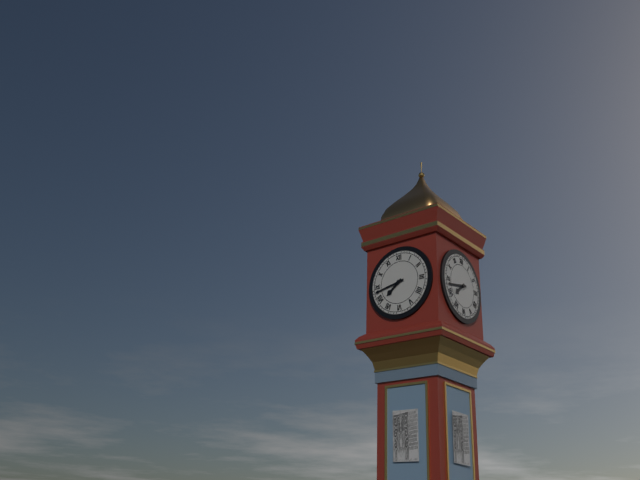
7,43
